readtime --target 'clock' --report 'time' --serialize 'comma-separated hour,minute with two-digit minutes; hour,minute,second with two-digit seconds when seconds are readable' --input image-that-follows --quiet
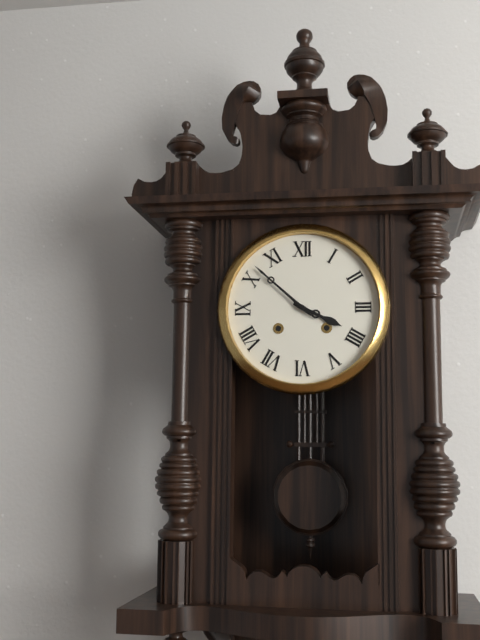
3,52
